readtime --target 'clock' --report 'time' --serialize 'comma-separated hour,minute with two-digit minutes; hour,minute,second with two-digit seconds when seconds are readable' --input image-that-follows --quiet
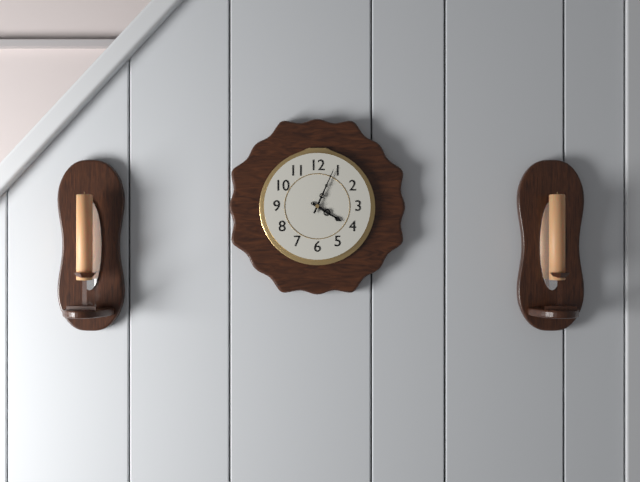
4,04
